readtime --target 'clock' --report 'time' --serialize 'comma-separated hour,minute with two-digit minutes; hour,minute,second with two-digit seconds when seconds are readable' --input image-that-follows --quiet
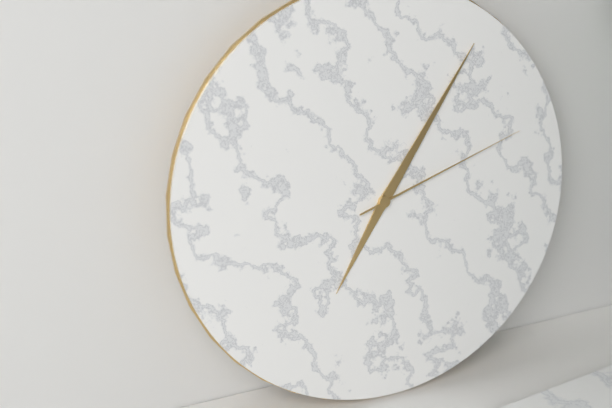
7,06,12
